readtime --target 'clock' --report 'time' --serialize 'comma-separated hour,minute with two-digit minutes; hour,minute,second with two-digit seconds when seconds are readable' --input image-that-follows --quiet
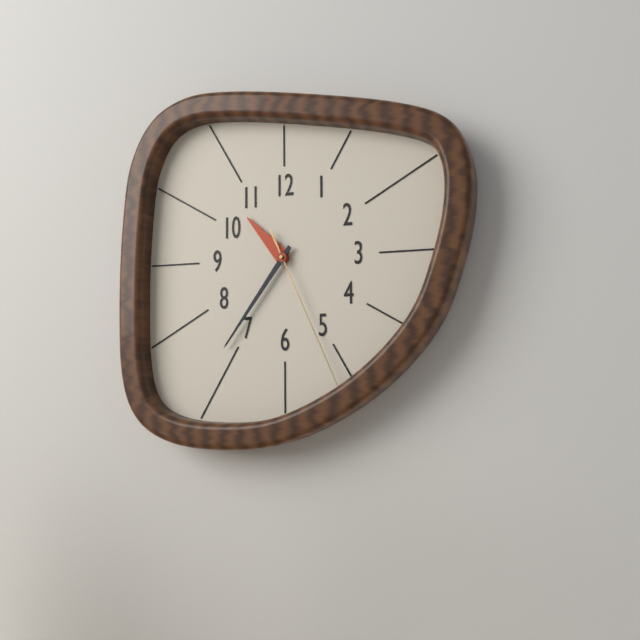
10,36,26
